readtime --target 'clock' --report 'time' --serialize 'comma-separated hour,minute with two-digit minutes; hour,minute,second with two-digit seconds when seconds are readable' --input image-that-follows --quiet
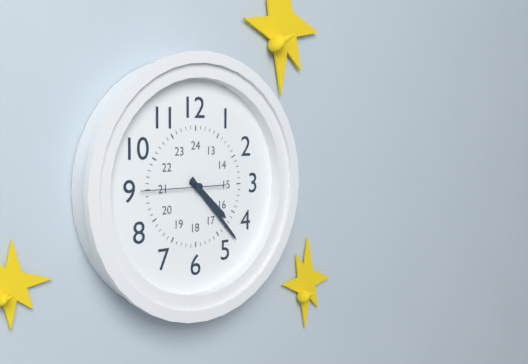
4,23,45
